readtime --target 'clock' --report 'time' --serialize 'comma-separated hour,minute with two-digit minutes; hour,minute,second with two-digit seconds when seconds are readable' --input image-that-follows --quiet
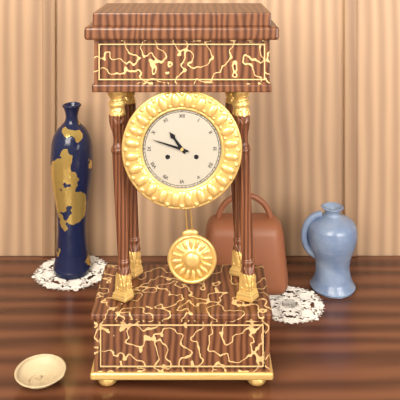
10,48
